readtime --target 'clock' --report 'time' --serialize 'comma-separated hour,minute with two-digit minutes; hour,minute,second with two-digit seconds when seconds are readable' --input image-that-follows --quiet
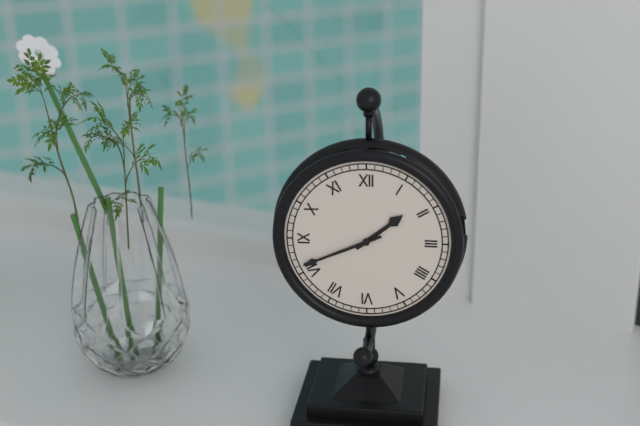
1,41
